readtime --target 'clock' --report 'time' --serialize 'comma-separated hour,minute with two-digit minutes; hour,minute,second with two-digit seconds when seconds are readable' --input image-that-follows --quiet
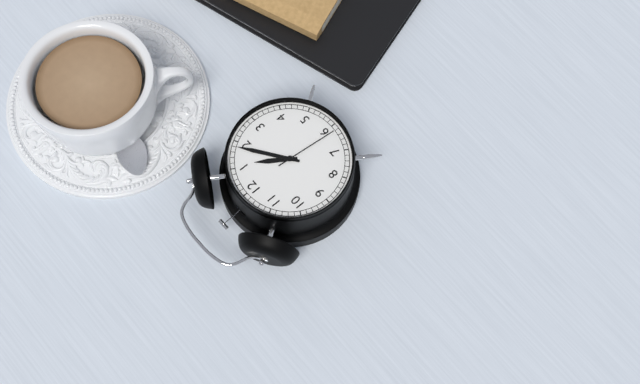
1,09,31
